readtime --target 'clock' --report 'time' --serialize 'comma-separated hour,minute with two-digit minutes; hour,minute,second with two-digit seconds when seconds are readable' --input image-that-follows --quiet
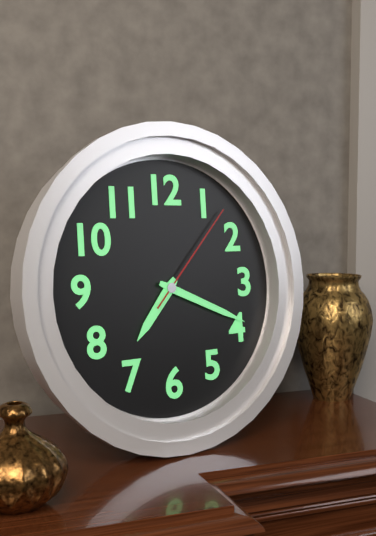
7,19,07
